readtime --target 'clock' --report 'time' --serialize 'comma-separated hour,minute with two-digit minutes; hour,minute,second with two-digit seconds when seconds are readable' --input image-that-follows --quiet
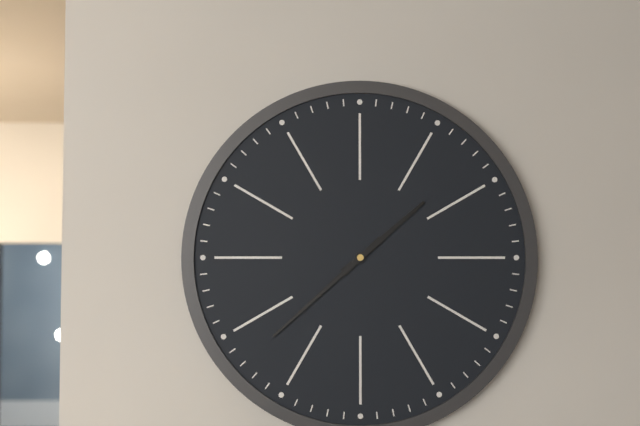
1,38
